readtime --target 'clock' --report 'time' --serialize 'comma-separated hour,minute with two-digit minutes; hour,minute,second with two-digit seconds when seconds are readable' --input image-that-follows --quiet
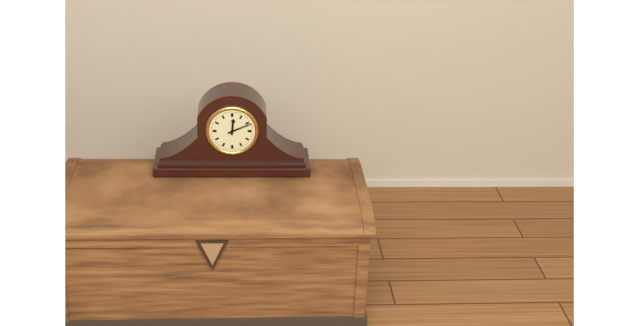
12,11
